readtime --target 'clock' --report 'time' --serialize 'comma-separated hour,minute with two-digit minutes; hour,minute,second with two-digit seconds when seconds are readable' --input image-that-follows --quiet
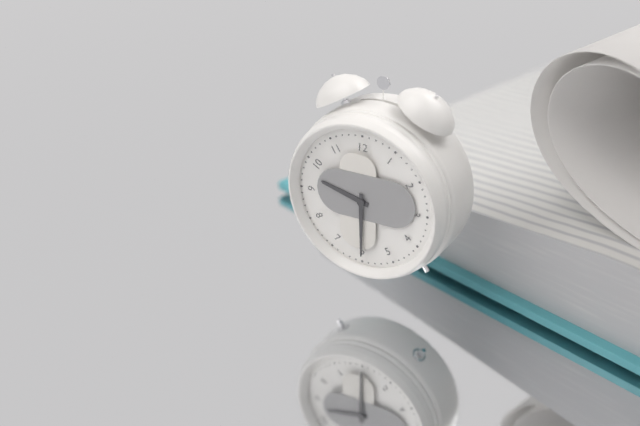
9,30
